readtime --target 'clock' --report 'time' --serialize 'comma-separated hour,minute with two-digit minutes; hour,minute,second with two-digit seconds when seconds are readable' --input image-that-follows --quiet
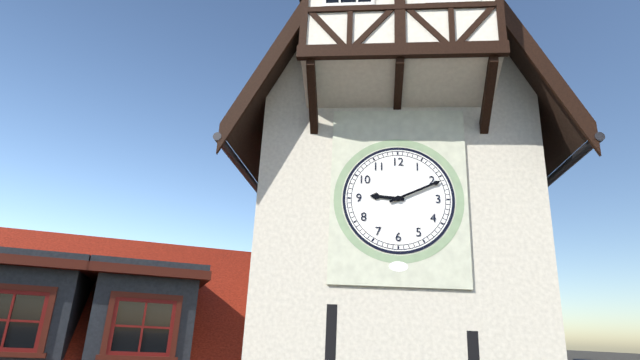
9,11
